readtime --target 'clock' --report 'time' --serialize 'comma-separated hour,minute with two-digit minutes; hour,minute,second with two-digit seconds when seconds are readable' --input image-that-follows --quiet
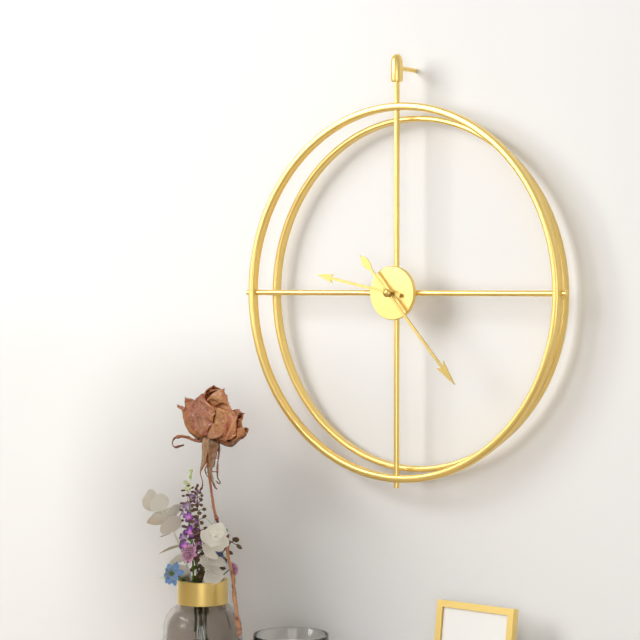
9,23
